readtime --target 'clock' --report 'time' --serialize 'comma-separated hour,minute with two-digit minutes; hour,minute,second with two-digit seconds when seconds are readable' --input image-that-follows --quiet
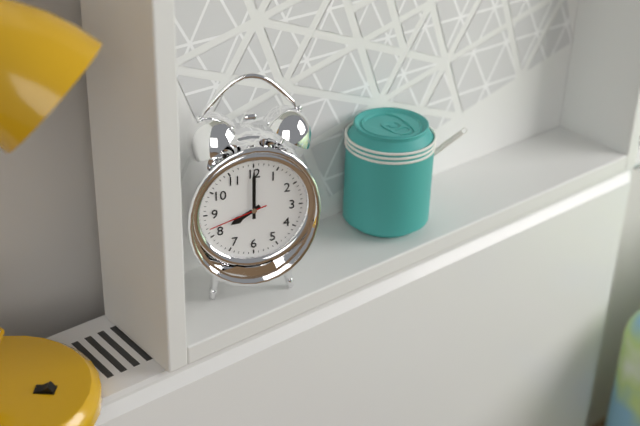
8,00,42
